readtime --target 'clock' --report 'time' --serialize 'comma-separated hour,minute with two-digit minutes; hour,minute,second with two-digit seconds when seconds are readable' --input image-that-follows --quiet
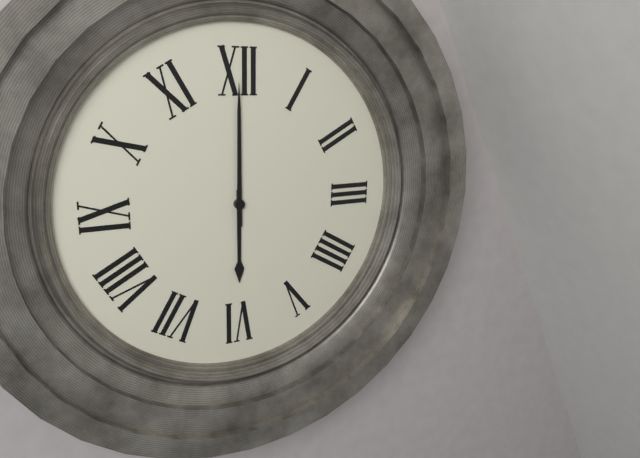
6,00
